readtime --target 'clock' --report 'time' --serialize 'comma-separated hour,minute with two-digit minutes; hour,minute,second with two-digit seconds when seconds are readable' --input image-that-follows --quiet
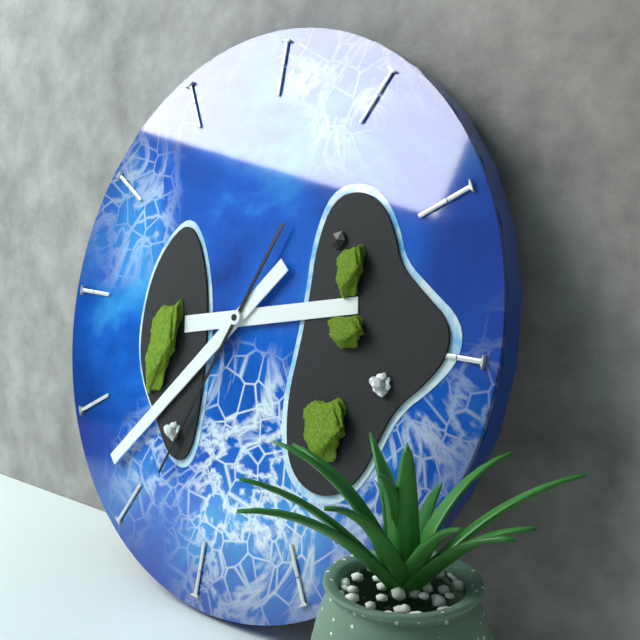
2,37,34
